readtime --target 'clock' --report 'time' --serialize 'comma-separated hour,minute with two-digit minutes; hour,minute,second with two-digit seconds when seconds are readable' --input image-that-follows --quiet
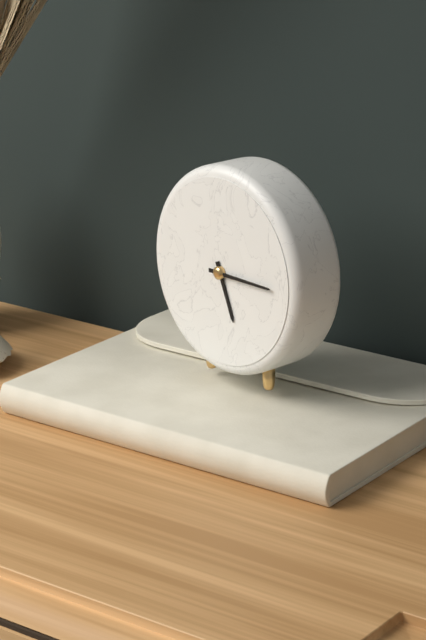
5,15
